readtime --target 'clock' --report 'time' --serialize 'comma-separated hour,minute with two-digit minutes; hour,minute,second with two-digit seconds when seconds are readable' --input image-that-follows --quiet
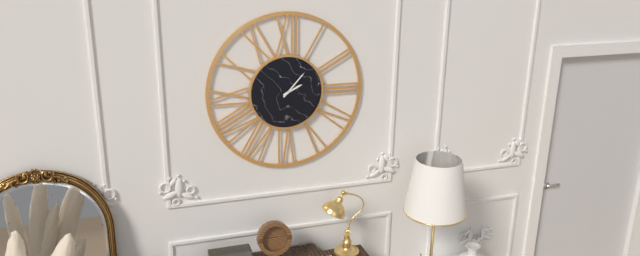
2,07
